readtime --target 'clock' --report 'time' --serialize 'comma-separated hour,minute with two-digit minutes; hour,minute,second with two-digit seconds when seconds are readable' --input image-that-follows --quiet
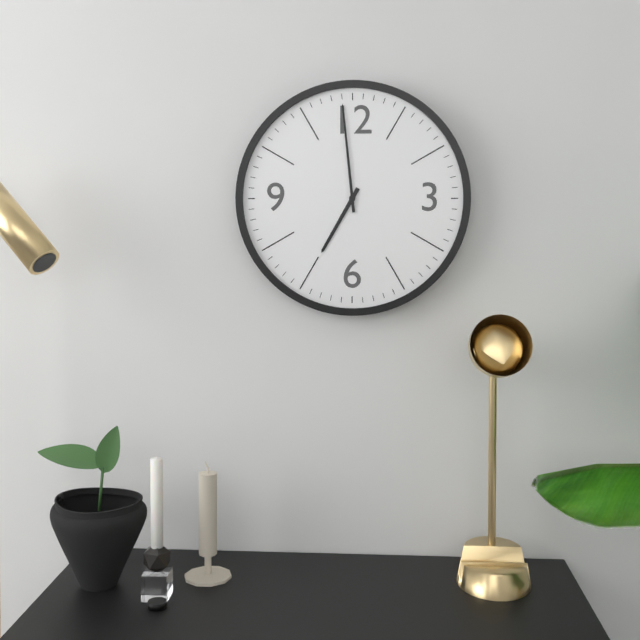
6,59
